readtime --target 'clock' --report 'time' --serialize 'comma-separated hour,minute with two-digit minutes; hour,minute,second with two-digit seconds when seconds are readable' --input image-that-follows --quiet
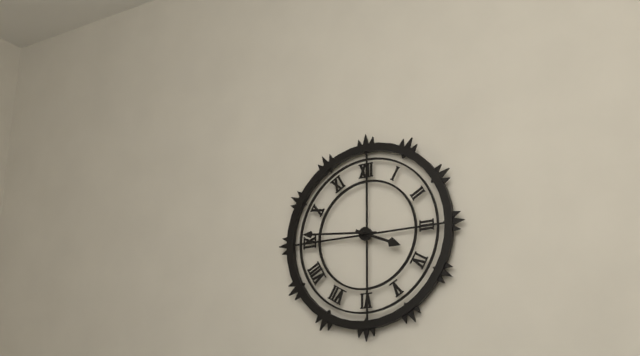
3,46
